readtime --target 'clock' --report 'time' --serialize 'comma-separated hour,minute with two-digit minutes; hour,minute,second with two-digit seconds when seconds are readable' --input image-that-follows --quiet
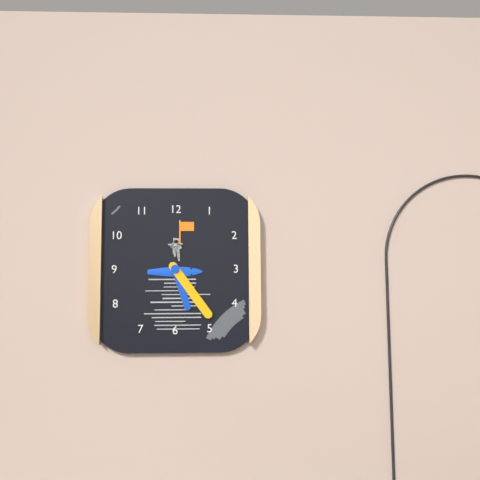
5,24
